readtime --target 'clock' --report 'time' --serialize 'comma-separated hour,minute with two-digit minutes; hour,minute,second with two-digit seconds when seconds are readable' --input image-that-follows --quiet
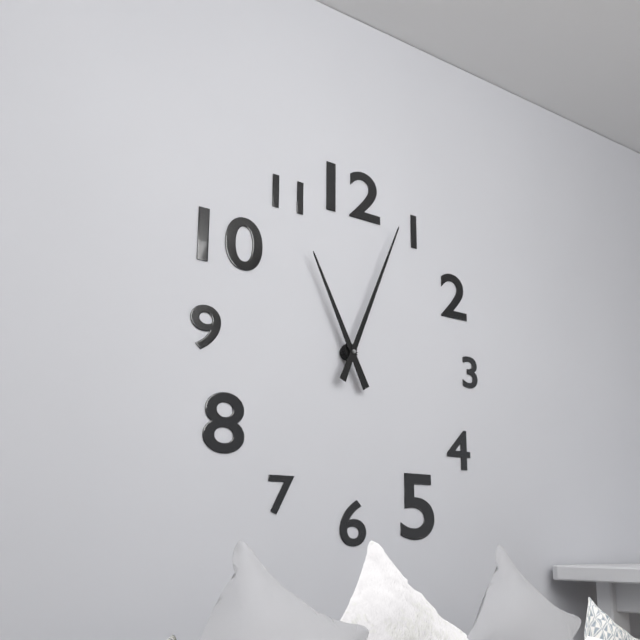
11,04
